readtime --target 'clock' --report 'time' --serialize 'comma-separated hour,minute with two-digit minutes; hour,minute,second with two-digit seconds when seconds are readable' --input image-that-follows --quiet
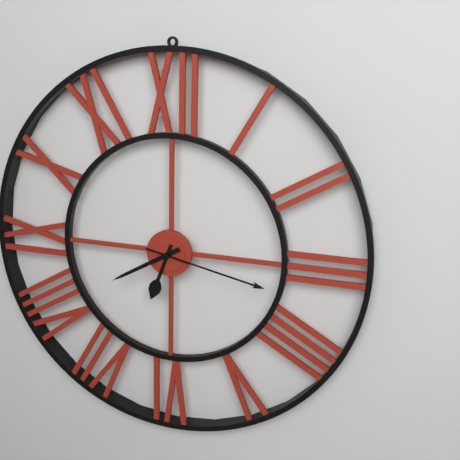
6,40,17
